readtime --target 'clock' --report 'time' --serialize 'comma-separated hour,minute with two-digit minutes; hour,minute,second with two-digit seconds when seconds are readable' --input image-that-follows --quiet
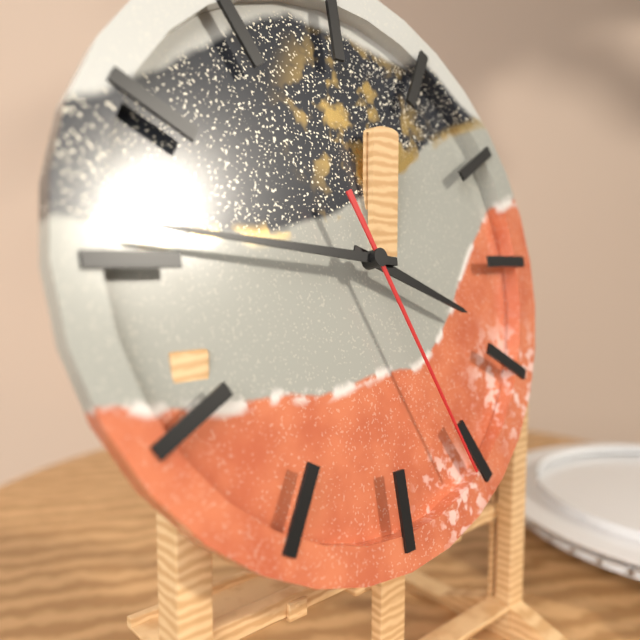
3,46,26
